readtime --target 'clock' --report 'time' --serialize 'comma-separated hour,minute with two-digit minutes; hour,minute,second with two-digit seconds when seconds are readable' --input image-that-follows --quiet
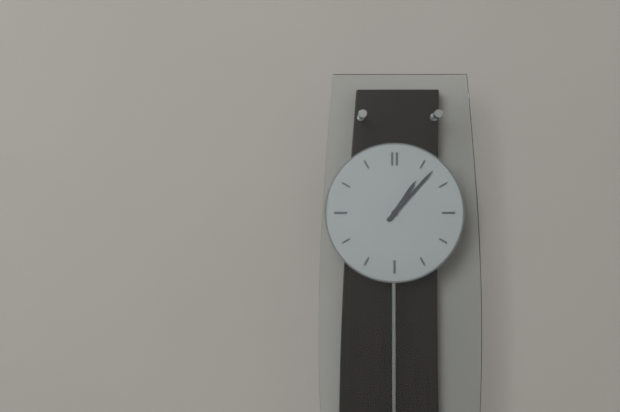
1,07
